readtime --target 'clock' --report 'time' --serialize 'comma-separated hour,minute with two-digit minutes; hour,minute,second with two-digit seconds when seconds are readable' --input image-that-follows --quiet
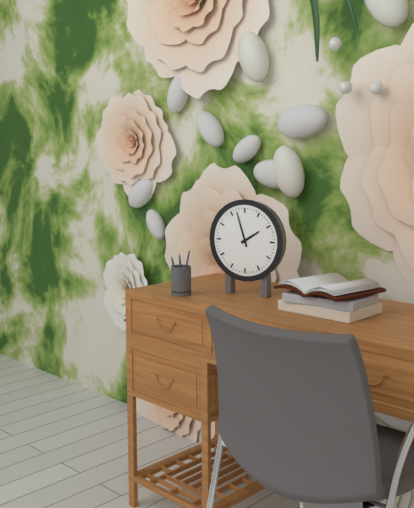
1,57
